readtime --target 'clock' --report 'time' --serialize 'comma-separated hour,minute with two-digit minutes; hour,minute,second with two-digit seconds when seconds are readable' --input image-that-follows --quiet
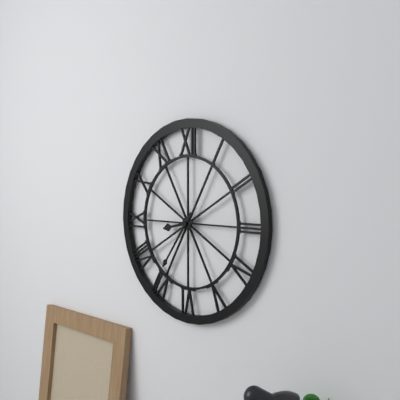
8,36
